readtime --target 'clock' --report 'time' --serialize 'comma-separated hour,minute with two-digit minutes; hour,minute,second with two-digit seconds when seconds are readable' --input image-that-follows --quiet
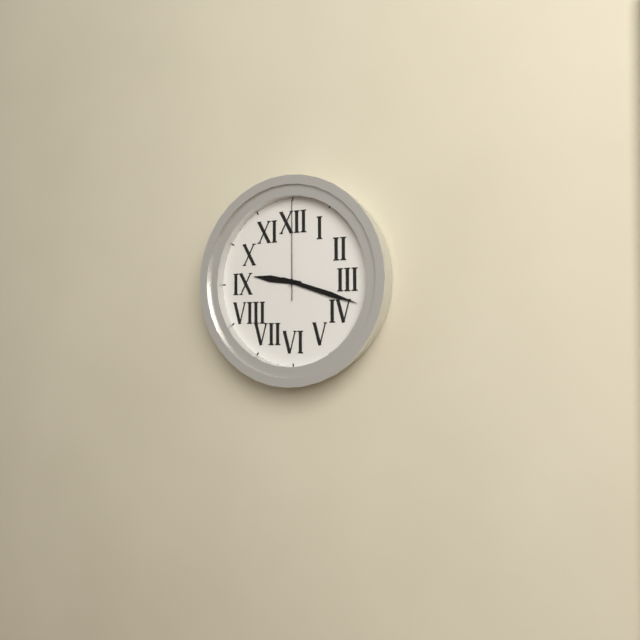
9,18,00
